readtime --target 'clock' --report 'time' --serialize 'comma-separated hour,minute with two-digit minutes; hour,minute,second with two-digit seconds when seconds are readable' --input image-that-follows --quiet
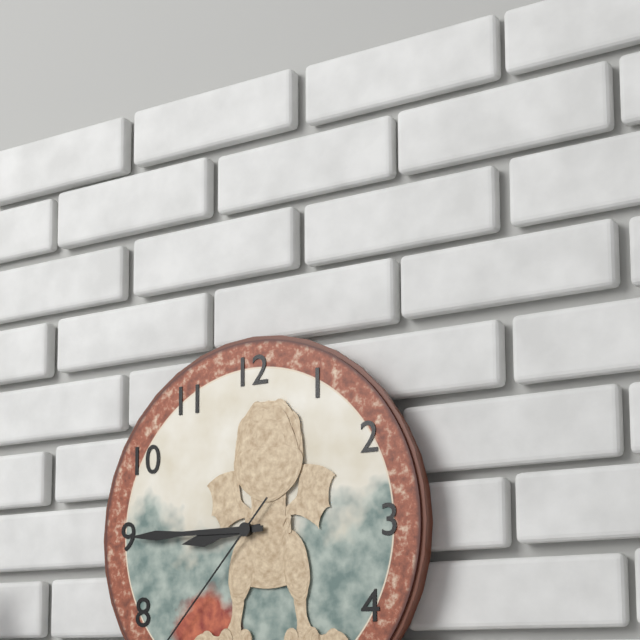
8,45
